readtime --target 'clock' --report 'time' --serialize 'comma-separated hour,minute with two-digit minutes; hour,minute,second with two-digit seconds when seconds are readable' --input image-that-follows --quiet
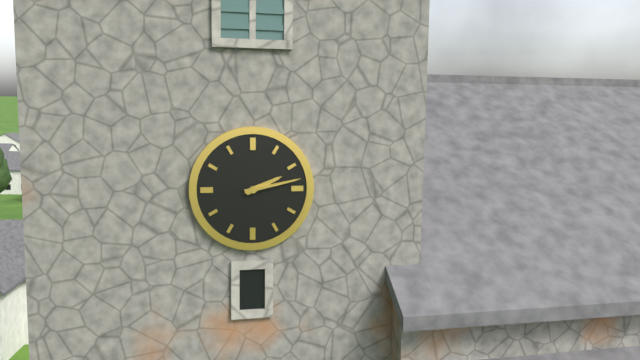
2,13
